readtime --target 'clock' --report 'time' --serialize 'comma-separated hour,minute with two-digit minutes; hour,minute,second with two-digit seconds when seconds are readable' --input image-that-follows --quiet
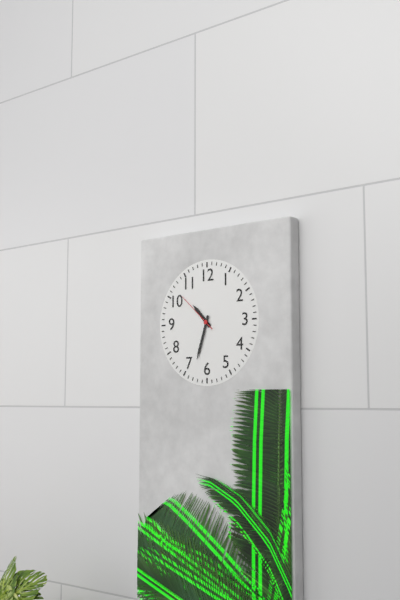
10,33
